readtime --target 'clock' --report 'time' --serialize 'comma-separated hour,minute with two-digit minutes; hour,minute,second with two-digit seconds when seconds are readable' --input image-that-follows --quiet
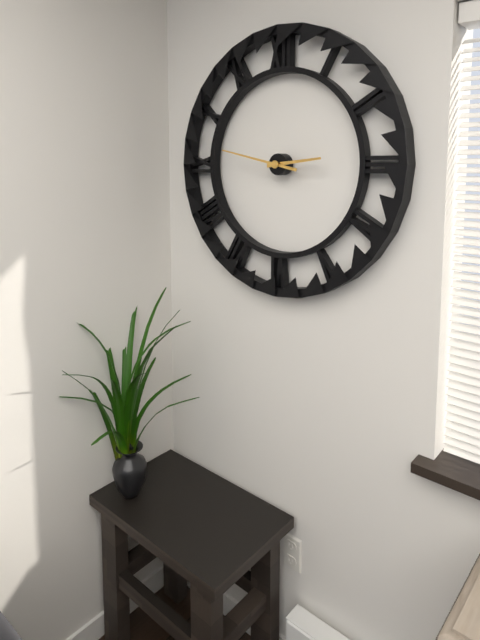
2,47
